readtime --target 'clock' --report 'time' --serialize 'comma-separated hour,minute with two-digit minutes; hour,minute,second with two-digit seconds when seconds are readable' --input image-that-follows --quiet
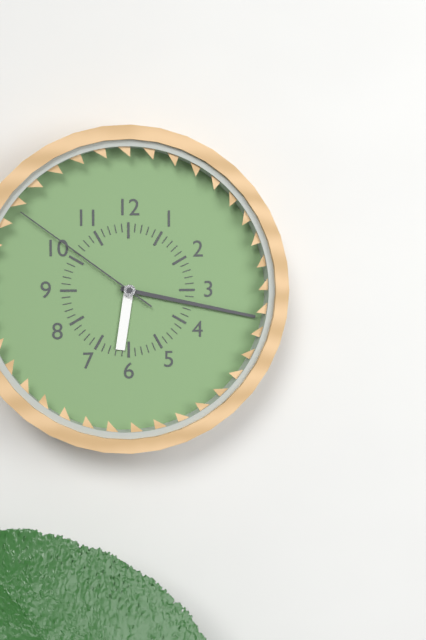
6,17,51
